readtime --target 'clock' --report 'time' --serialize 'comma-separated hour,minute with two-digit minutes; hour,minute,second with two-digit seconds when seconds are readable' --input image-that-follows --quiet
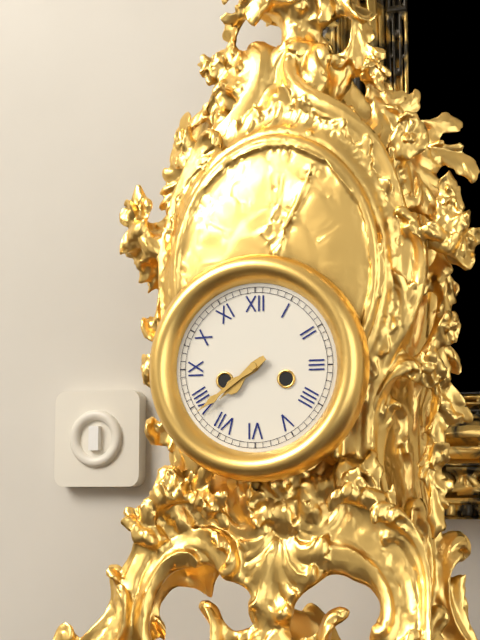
7,39
